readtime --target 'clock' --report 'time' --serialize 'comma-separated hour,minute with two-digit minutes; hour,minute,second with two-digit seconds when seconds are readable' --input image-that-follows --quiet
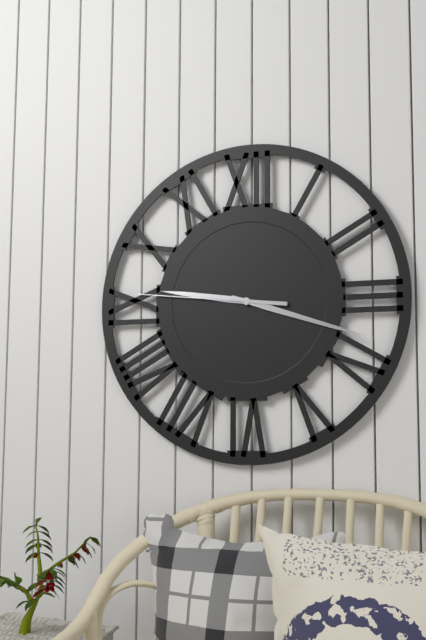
9,18,46
